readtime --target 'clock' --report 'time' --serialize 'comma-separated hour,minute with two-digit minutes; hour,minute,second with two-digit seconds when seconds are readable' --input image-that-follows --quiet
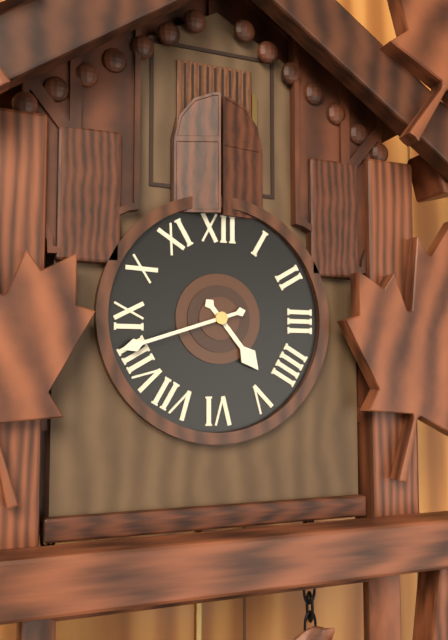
4,42
